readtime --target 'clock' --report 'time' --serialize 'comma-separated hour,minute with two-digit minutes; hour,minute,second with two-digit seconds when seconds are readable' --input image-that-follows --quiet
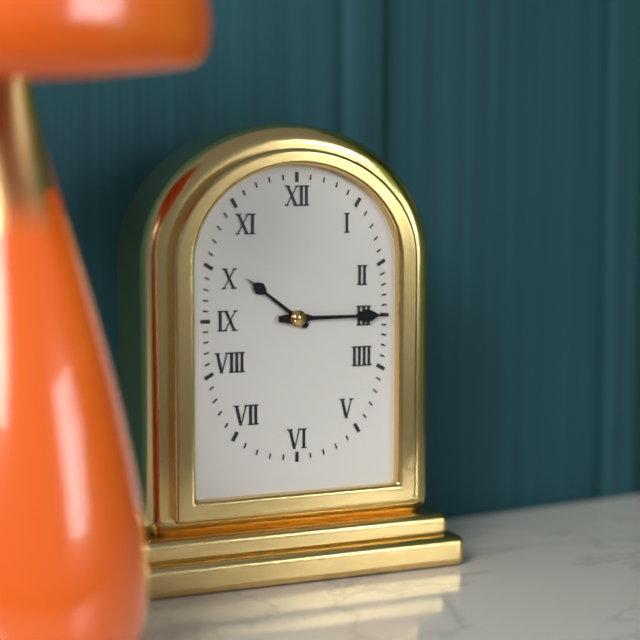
10,15
